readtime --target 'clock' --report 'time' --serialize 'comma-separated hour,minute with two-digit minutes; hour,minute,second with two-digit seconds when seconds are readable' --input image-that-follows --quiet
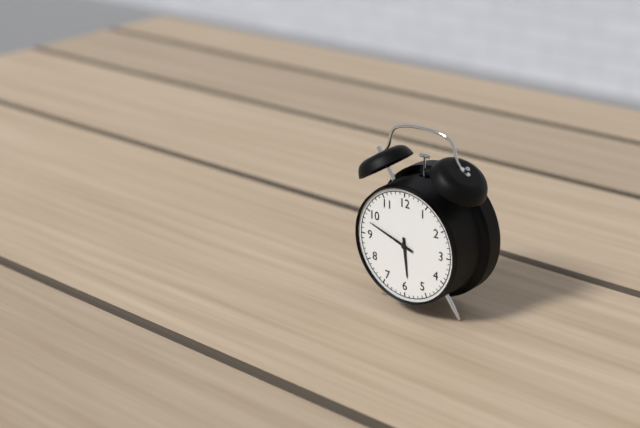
5,48
